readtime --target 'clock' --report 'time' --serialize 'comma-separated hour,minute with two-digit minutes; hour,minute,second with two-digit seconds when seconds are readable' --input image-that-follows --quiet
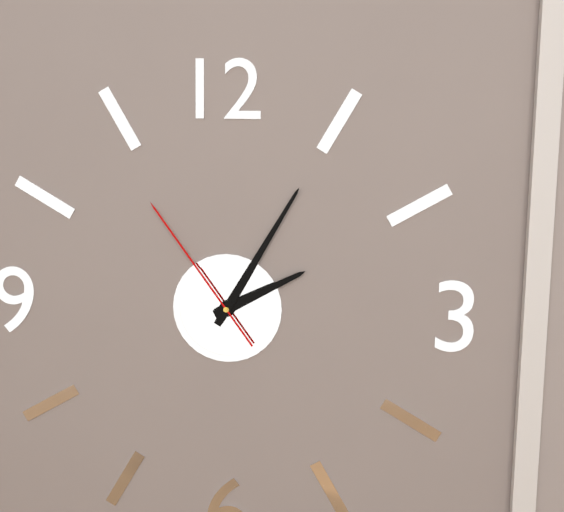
2,05,54
